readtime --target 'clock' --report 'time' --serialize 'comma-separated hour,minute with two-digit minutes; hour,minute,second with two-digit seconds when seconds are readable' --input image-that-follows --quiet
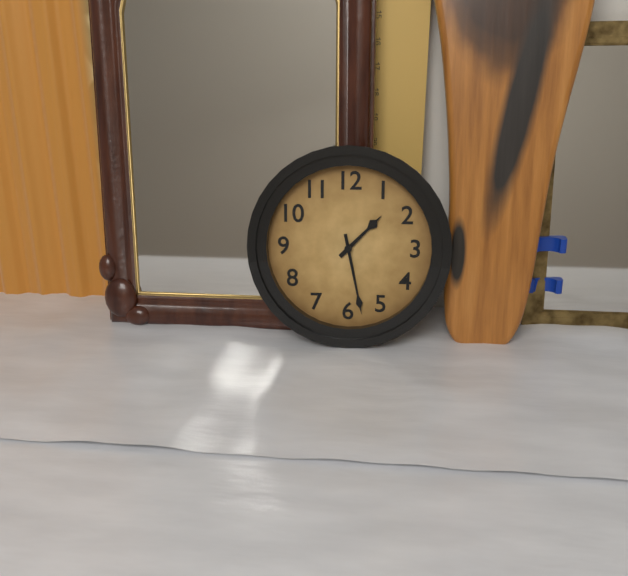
1,28
